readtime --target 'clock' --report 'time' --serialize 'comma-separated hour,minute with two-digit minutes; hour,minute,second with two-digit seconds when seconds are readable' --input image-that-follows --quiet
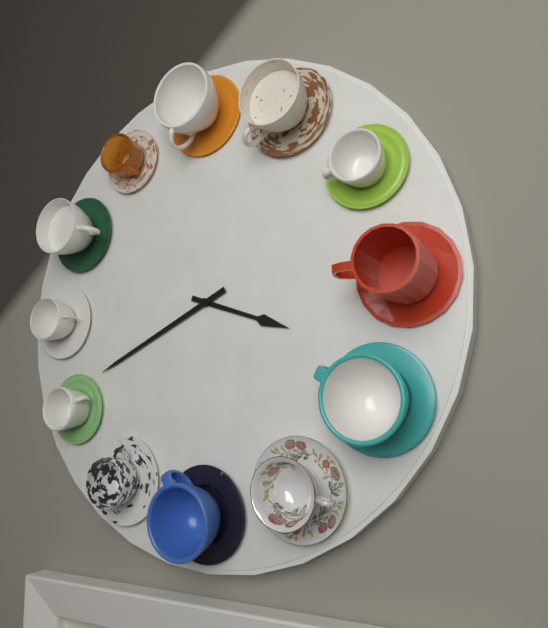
3,41
